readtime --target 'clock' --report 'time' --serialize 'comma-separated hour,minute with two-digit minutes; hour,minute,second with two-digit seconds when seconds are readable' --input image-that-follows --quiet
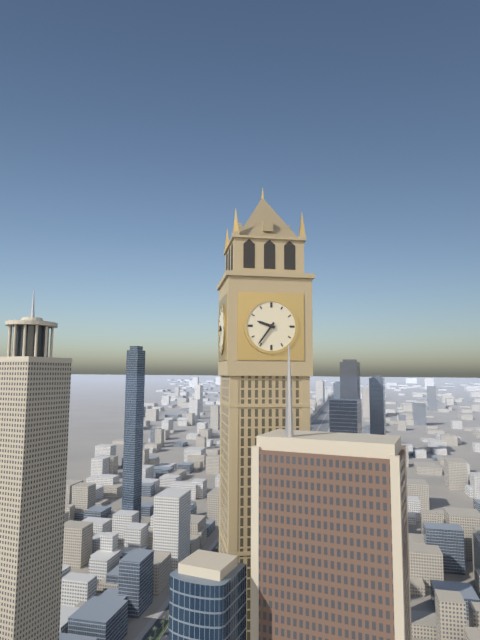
9,36
